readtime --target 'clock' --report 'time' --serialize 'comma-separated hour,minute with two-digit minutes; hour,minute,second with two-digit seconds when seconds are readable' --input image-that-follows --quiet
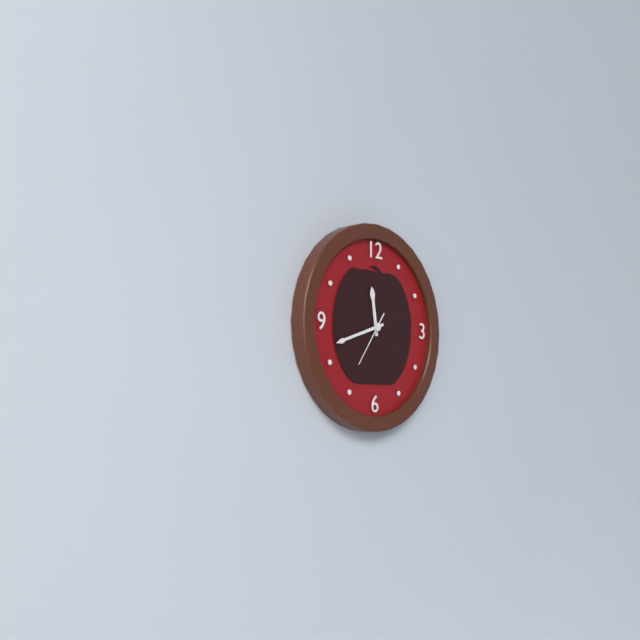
11,42,36
